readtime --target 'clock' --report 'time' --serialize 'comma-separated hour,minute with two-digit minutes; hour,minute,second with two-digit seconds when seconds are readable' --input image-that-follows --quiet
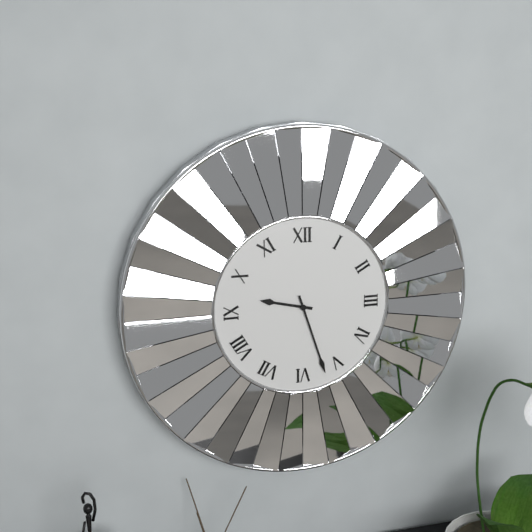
9,27
